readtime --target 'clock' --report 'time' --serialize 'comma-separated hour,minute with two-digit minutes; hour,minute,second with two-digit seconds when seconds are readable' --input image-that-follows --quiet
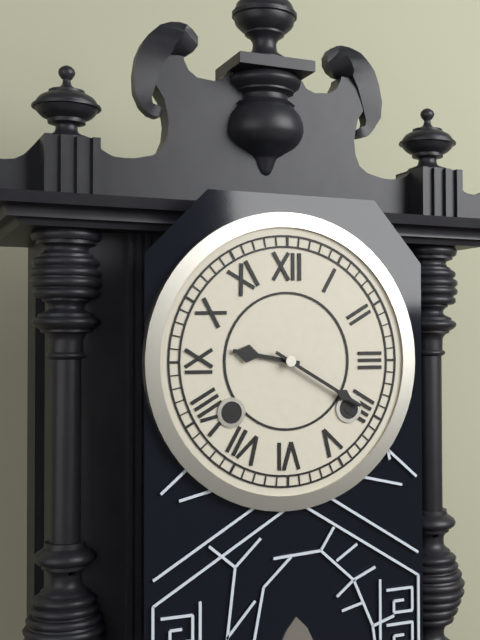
9,20
